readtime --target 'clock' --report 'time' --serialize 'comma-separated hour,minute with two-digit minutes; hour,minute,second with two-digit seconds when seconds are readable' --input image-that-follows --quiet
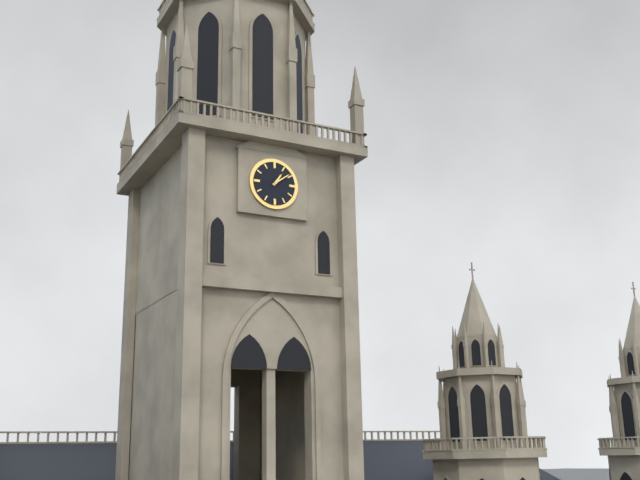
1,09
